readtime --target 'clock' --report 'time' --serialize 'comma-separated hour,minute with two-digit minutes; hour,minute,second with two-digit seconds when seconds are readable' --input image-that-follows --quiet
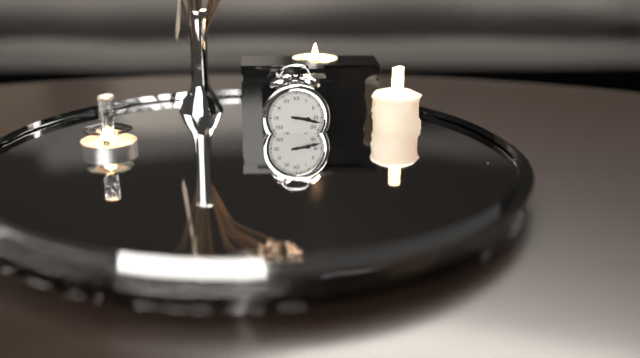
3,17
